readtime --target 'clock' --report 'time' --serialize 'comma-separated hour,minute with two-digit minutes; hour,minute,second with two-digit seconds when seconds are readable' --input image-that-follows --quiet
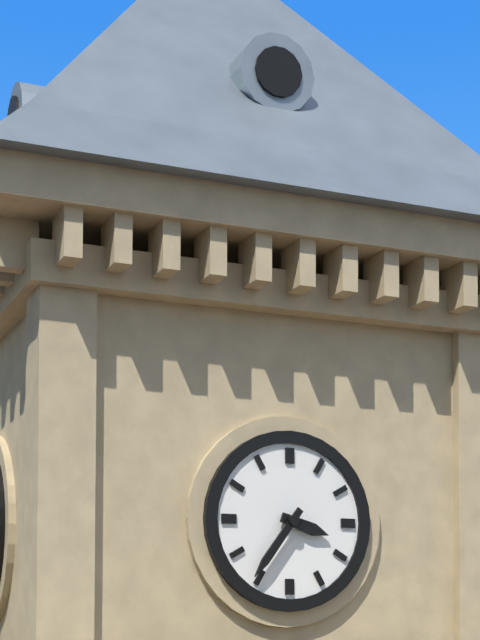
3,36
